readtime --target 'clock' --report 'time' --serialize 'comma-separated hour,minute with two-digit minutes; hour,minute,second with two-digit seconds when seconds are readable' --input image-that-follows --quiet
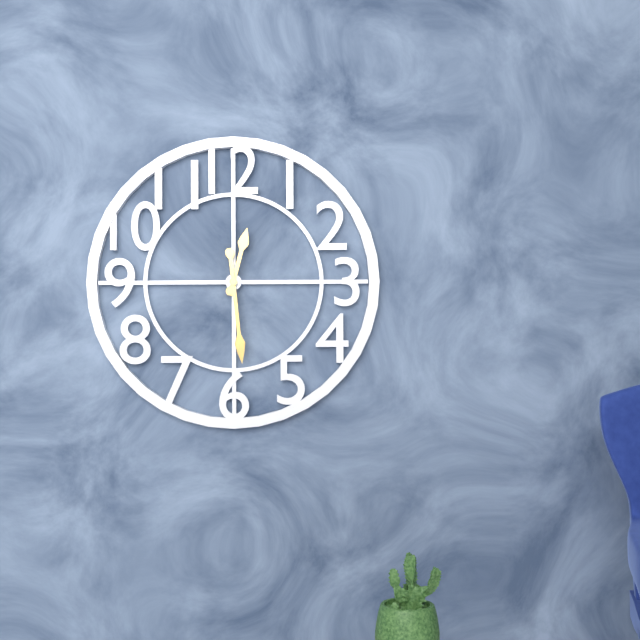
12,29
